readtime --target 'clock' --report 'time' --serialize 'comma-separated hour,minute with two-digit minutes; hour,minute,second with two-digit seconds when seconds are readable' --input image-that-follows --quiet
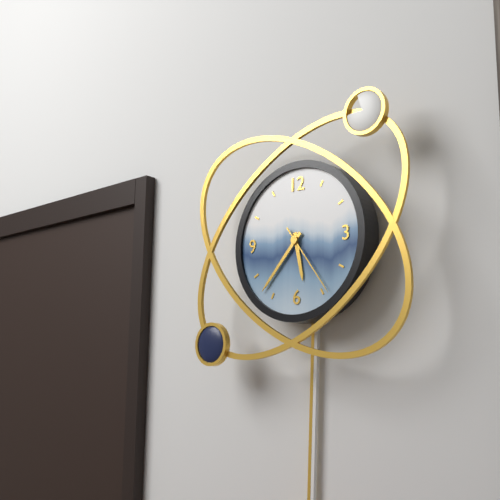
5,37,24
